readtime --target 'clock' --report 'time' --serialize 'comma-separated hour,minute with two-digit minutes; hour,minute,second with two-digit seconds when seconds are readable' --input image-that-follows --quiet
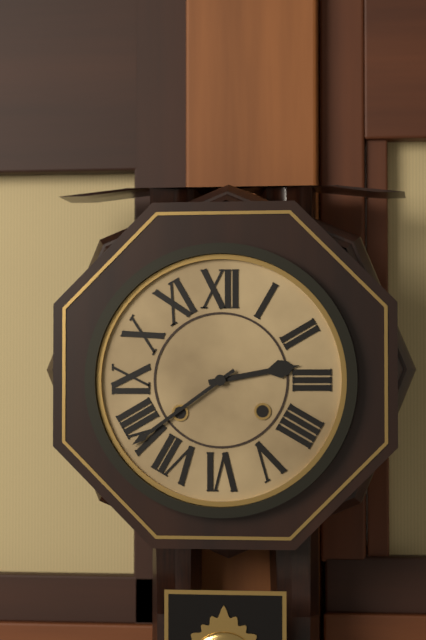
2,39
